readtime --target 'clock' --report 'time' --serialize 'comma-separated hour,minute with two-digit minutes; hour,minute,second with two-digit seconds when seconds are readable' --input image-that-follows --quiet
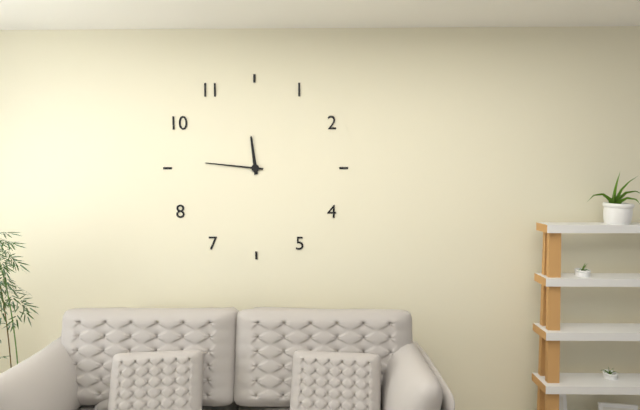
11,46
